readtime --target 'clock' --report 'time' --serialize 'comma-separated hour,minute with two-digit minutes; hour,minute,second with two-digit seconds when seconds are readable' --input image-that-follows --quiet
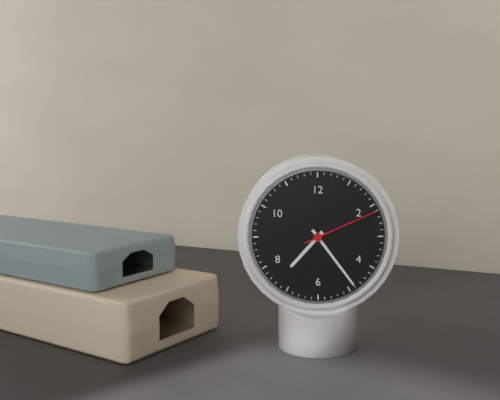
7,24,11
